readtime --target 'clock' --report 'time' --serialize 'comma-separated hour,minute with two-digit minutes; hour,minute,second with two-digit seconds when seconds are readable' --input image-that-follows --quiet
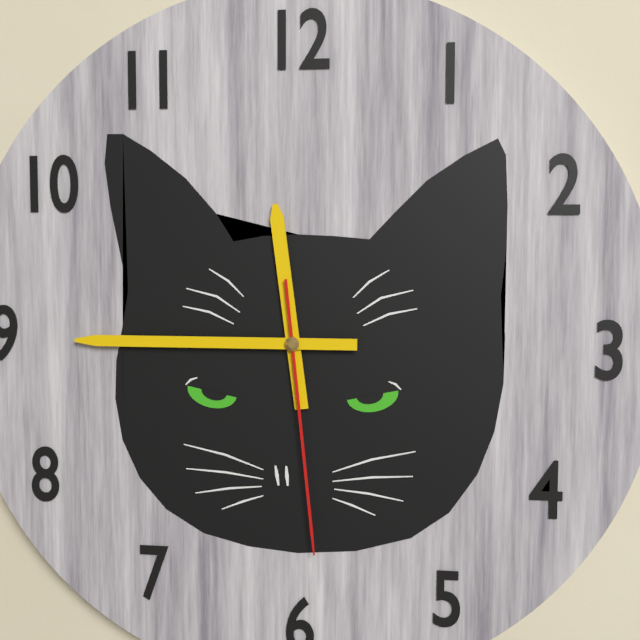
11,45,29
